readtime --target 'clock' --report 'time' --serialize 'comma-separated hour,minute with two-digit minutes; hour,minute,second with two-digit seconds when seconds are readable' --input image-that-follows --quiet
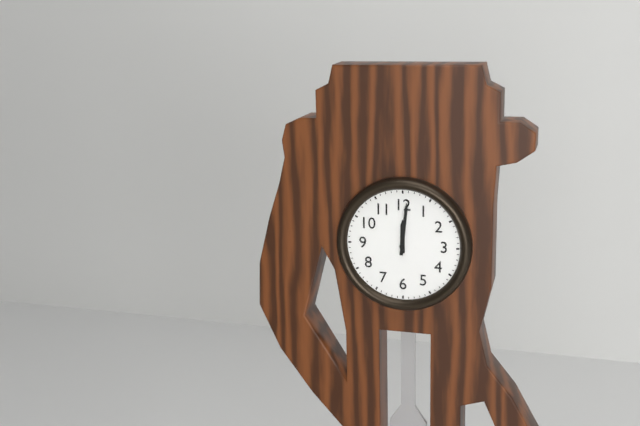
12,01
